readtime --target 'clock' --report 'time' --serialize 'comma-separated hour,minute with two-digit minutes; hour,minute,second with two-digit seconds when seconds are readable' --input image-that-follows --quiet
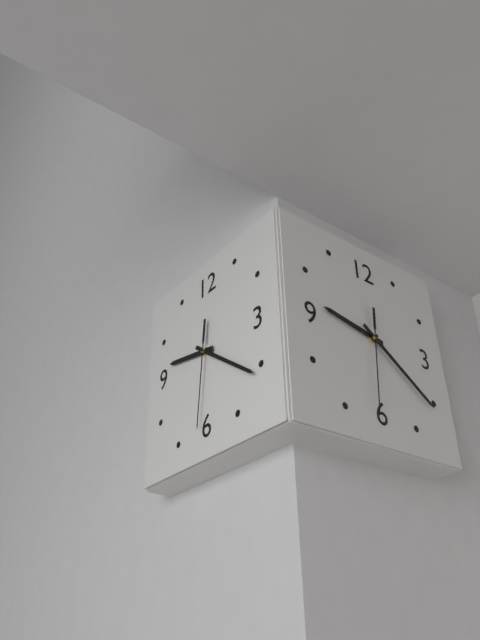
9,21,31
